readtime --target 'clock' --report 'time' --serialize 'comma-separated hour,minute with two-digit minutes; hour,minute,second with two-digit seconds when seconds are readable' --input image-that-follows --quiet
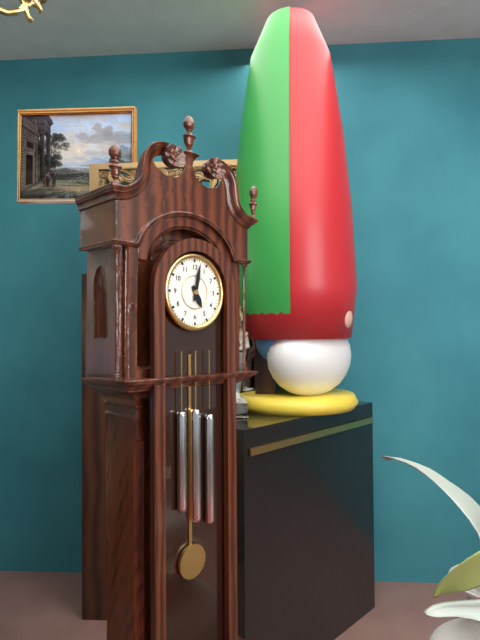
5,02
